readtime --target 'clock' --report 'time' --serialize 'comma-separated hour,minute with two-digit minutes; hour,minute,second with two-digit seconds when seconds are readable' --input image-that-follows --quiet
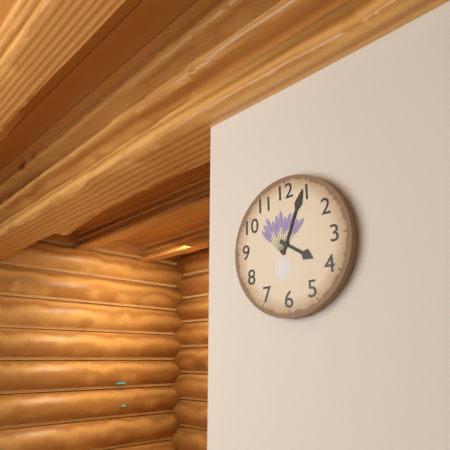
4,04
